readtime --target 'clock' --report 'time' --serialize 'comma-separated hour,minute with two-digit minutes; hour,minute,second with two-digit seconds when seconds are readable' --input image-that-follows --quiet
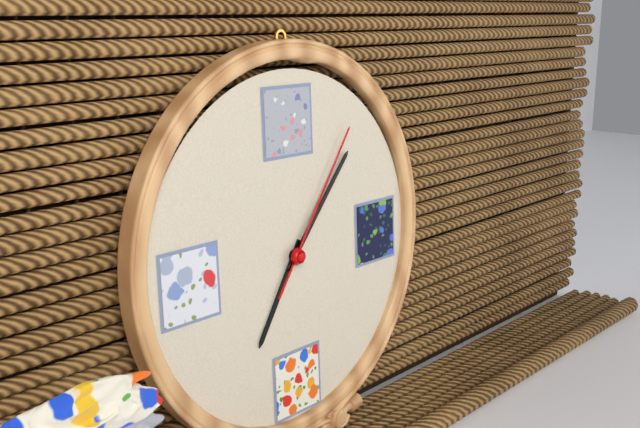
7,07,06
